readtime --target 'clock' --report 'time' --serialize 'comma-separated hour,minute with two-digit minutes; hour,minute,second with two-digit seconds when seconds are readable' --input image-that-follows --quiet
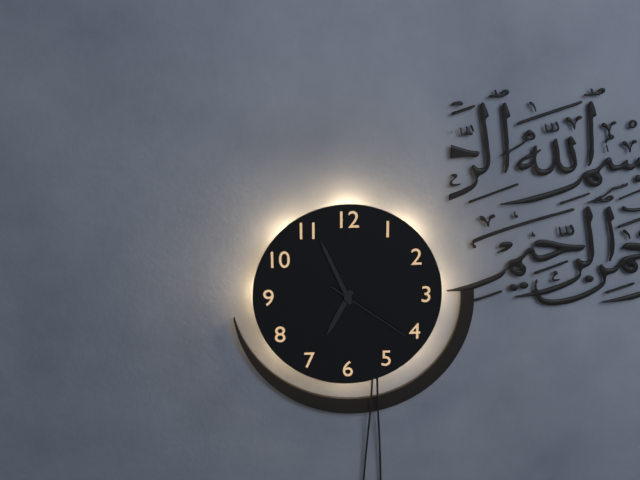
6,56,21
